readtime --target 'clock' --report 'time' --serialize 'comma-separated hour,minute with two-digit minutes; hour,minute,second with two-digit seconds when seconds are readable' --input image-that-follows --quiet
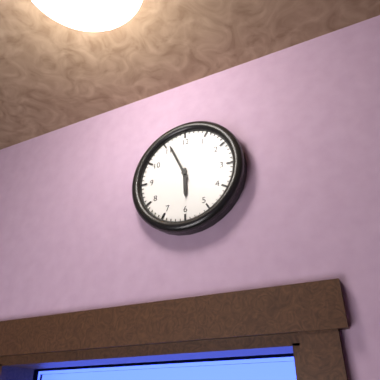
5,56
